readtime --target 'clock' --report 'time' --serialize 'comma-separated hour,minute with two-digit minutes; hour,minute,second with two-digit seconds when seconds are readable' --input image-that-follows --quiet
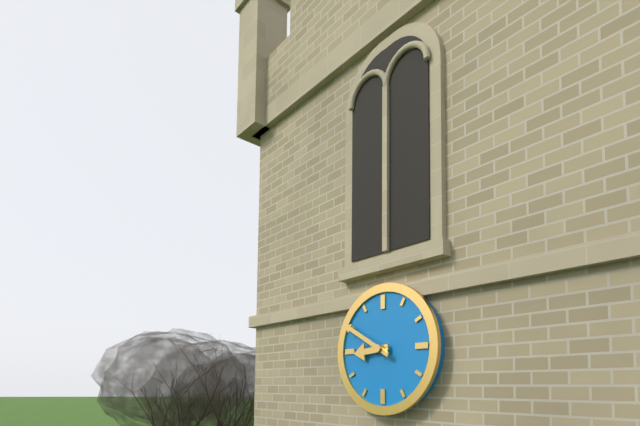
8,50
